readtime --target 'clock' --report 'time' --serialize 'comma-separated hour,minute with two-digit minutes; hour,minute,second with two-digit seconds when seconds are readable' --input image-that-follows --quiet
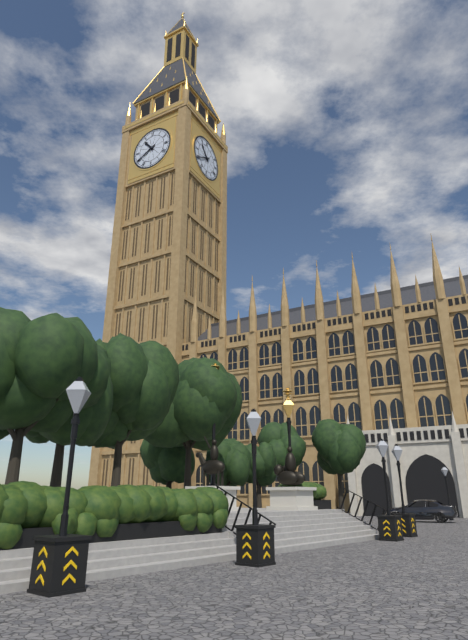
10,40
